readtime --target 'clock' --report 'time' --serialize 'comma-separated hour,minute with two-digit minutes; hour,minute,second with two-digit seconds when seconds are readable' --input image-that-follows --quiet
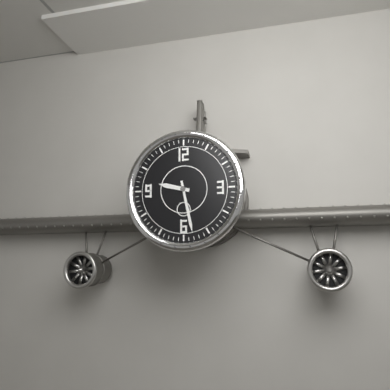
9,28
